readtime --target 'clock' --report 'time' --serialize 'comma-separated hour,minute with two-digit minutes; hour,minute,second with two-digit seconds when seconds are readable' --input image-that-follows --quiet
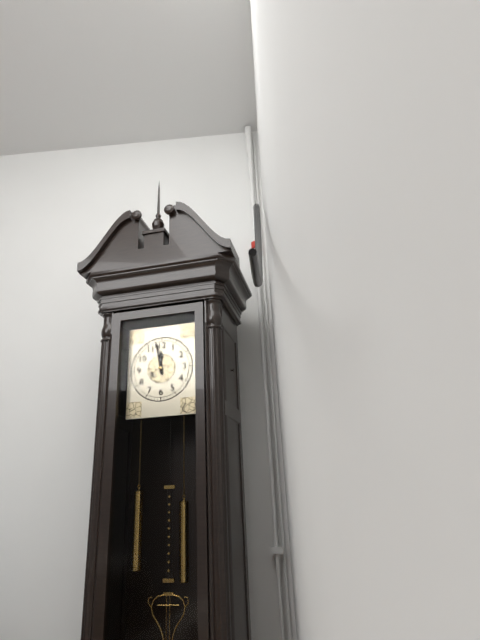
11,58
